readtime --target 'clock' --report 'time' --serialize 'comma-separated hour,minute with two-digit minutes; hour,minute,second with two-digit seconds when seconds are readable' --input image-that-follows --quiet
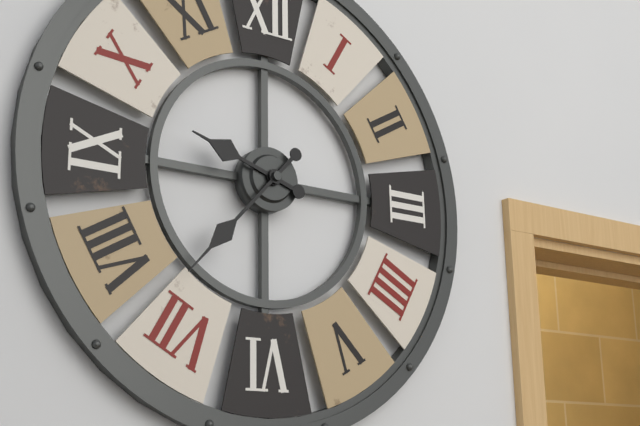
9,37
